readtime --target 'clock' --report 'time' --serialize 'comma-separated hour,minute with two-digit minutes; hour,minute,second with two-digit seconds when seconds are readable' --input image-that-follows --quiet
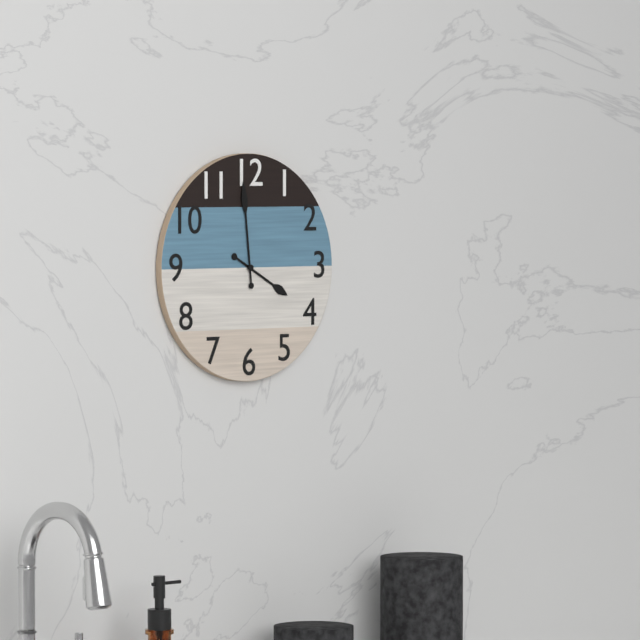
3,59
